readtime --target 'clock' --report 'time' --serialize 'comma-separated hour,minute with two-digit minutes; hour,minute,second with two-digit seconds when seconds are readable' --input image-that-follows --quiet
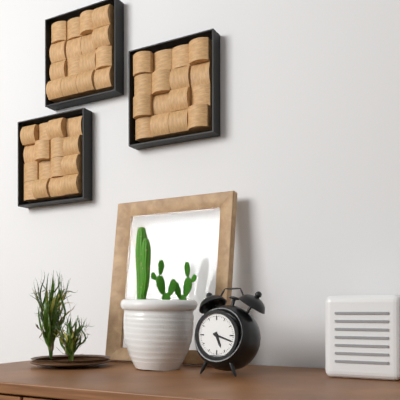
5,18
